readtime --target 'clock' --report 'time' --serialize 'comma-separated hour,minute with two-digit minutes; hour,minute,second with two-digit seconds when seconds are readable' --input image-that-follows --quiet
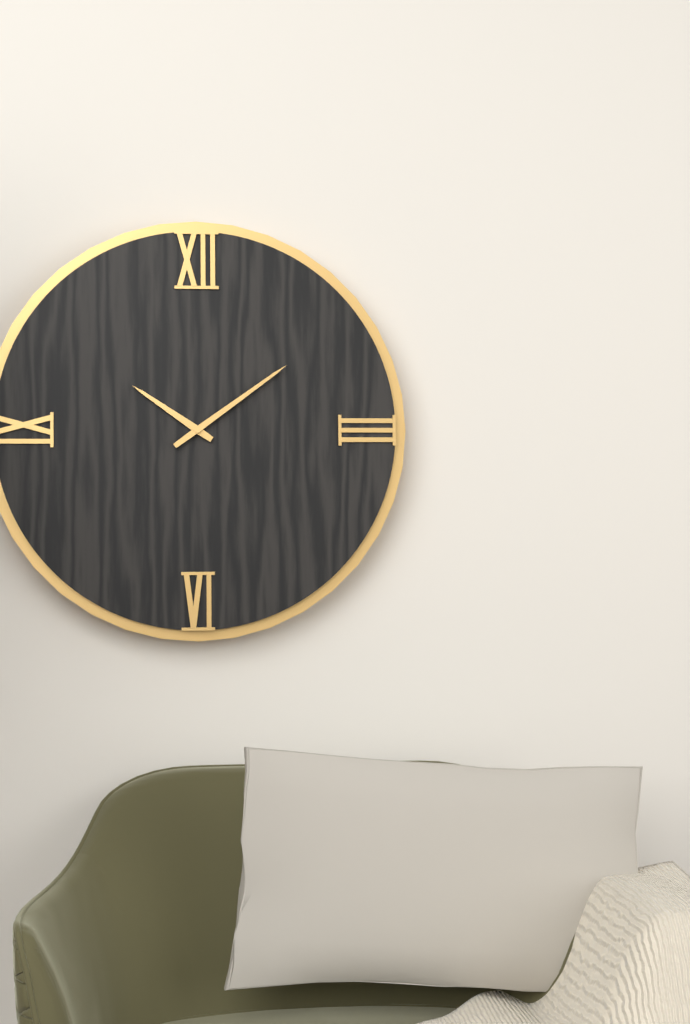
10,09
